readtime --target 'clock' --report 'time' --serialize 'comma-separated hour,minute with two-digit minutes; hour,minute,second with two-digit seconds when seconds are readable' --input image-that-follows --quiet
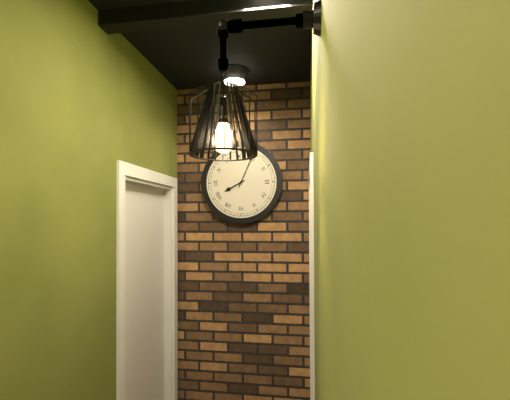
8,04
